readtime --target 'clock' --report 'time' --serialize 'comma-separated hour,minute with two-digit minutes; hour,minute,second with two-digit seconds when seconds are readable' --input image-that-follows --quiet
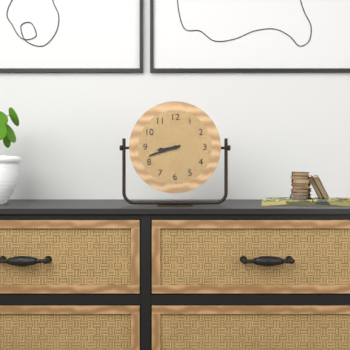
8,42
